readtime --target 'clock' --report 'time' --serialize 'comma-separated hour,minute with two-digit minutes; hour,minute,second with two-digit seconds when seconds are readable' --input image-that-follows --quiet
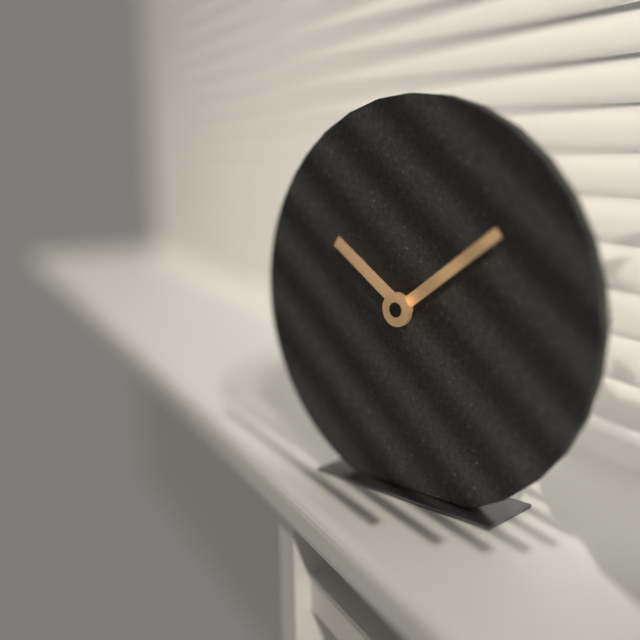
10,09
